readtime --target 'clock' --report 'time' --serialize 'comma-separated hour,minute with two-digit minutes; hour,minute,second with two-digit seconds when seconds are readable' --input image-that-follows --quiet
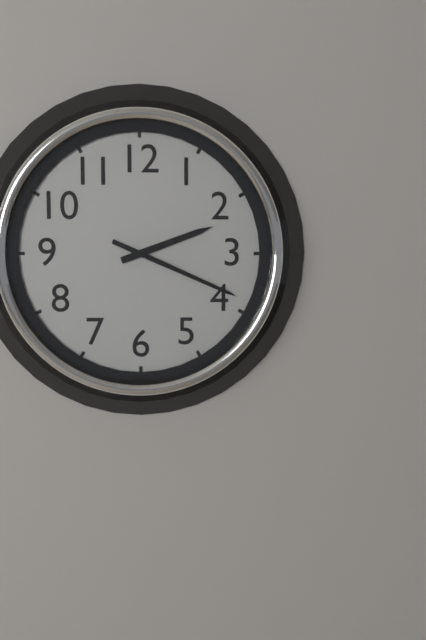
2,19
